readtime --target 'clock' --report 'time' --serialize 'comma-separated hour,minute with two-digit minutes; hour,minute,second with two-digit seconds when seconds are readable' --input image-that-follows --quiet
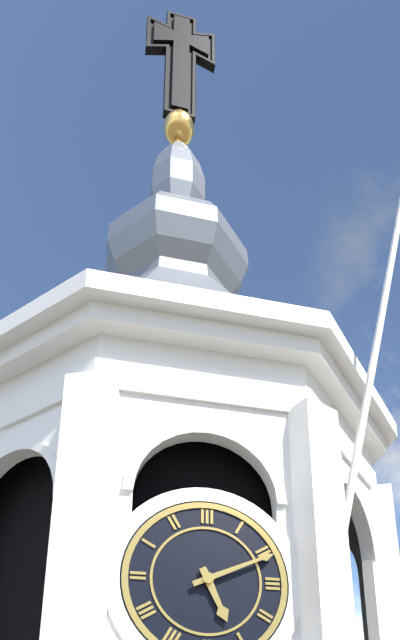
5,11
